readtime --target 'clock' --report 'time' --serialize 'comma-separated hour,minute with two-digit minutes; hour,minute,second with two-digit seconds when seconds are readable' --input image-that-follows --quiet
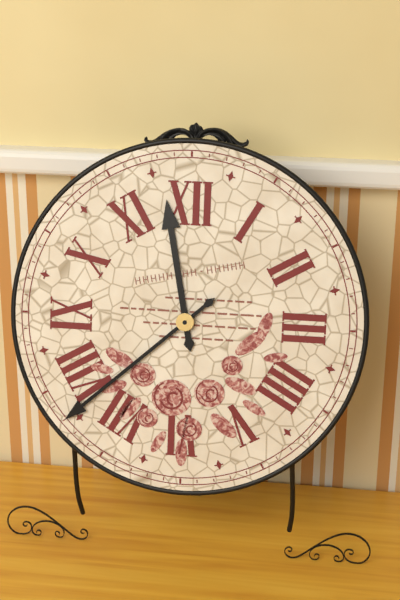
11,38
